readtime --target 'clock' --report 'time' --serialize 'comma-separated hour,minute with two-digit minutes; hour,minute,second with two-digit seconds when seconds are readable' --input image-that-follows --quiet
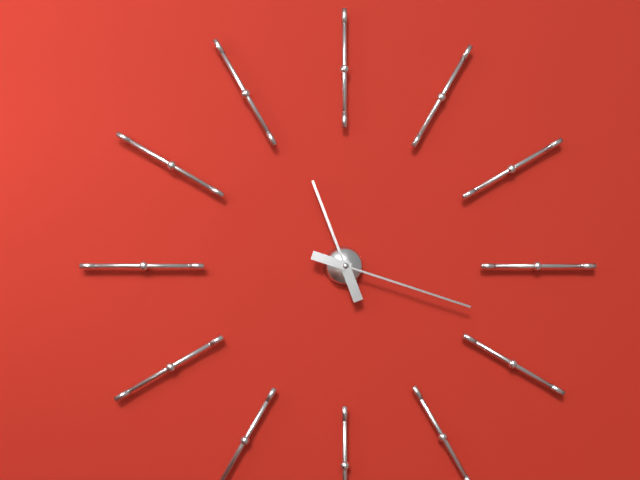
11,18
